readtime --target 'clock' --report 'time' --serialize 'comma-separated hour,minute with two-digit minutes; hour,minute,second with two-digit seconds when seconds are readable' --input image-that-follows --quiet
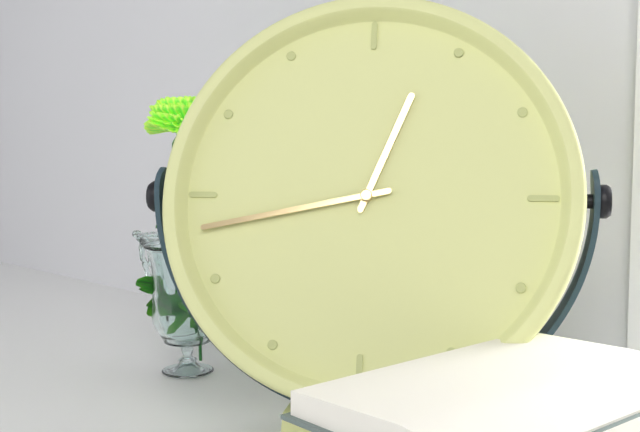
12,43
